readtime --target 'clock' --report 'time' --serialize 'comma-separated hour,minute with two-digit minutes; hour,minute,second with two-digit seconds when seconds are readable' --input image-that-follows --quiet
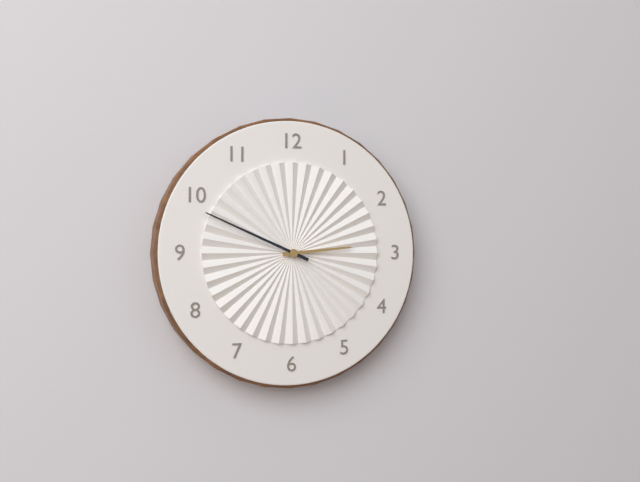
2,49
